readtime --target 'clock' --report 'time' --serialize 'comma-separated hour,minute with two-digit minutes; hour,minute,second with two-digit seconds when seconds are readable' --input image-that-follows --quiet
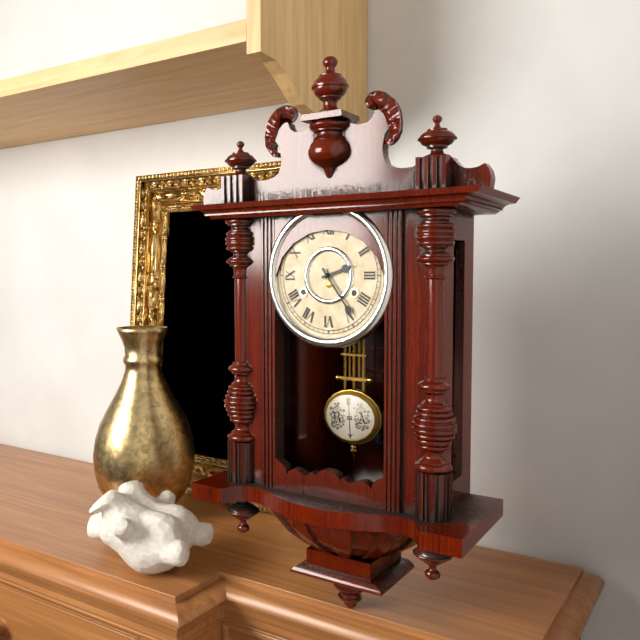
2,24
